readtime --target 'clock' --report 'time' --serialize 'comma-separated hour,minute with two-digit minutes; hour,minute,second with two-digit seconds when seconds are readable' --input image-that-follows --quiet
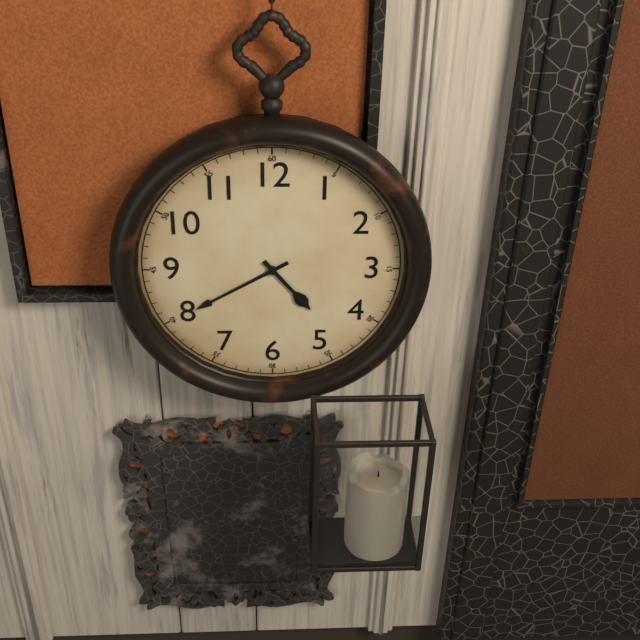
4,40
